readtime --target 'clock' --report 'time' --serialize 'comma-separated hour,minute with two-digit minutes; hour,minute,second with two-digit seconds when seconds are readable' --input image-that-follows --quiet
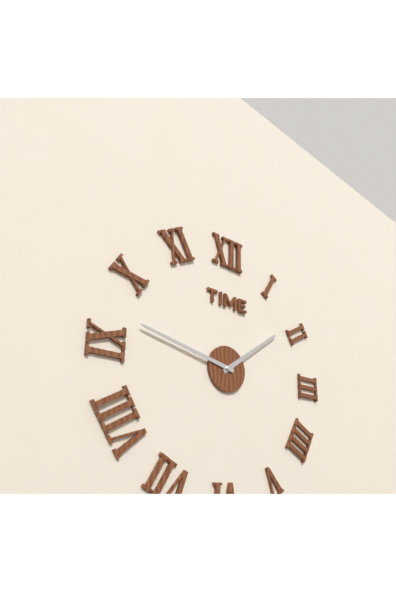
1,47
